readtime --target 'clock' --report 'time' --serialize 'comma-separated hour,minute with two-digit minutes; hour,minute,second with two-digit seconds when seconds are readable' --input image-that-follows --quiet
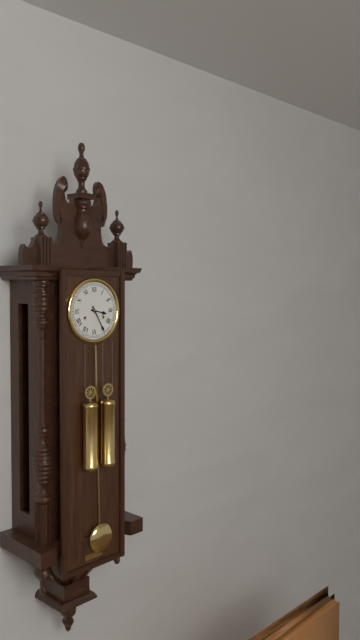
3,25
